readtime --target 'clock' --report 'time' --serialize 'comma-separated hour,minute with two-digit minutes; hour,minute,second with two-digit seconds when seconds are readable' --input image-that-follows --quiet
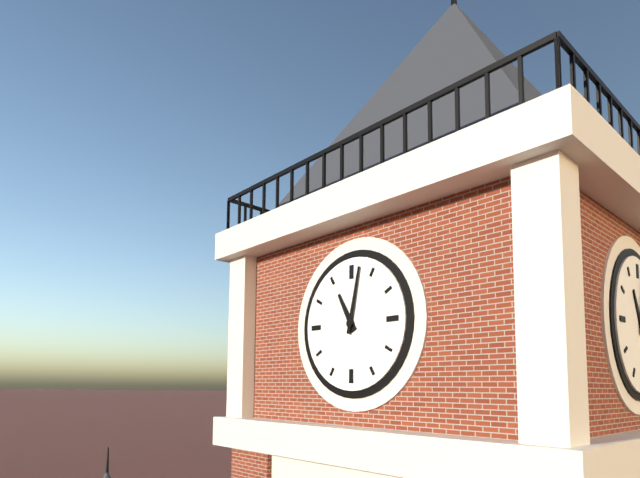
11,02
